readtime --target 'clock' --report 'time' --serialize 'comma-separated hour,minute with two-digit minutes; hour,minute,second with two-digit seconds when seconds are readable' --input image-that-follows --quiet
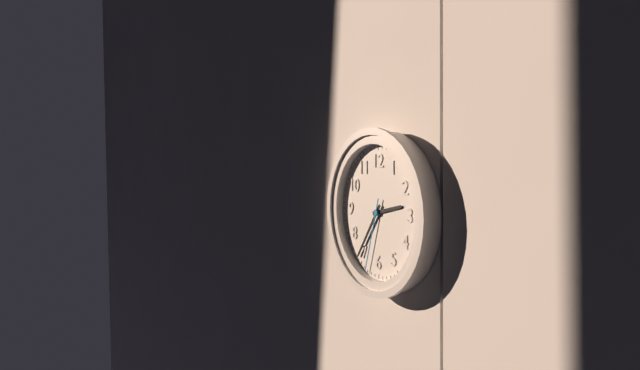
2,36,33
